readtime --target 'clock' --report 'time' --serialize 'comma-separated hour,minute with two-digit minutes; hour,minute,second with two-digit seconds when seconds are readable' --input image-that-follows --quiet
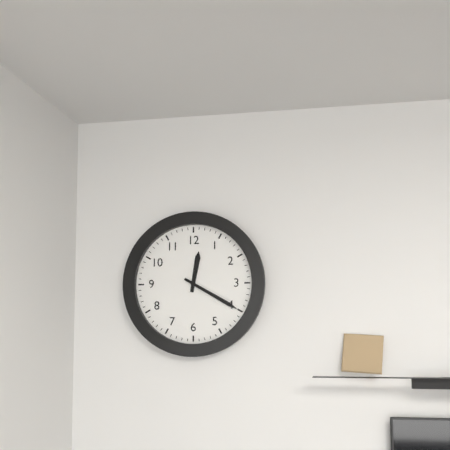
12,20
